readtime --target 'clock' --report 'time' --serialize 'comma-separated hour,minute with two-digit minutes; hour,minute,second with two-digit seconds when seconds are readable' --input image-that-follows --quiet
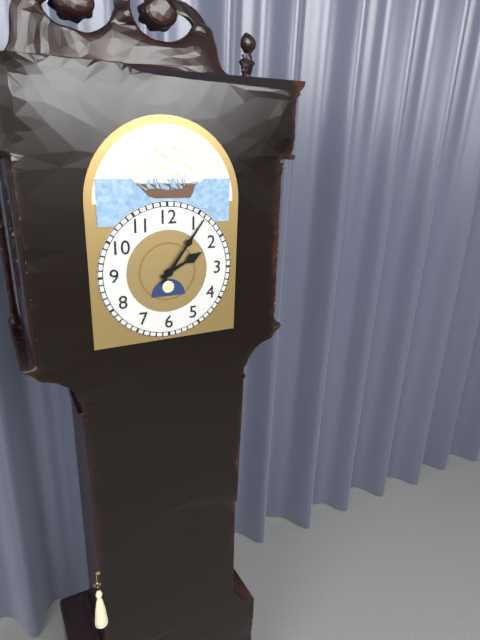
2,06
